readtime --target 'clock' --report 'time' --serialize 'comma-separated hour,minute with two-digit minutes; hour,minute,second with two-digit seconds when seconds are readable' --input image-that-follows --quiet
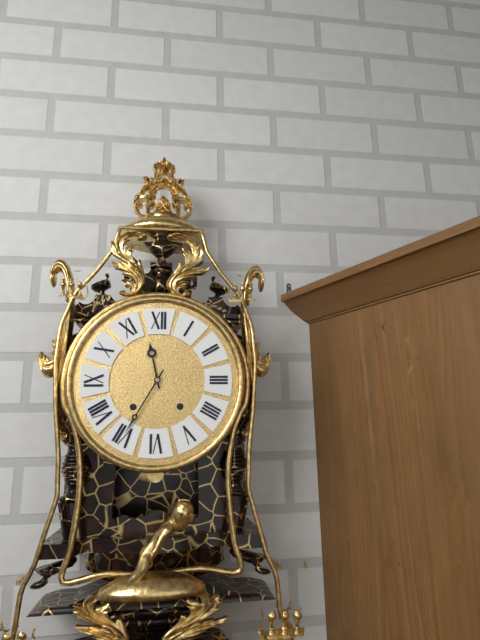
11,35
